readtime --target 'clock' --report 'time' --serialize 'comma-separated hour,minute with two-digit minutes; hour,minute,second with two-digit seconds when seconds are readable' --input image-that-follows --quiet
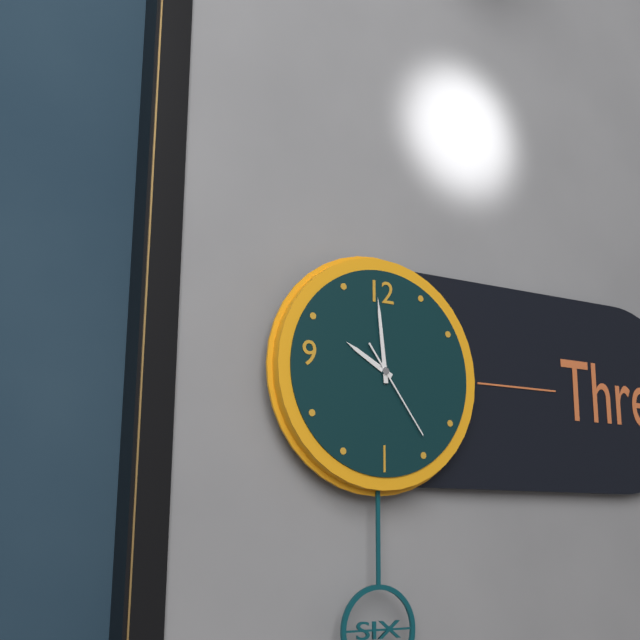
9,59,24
